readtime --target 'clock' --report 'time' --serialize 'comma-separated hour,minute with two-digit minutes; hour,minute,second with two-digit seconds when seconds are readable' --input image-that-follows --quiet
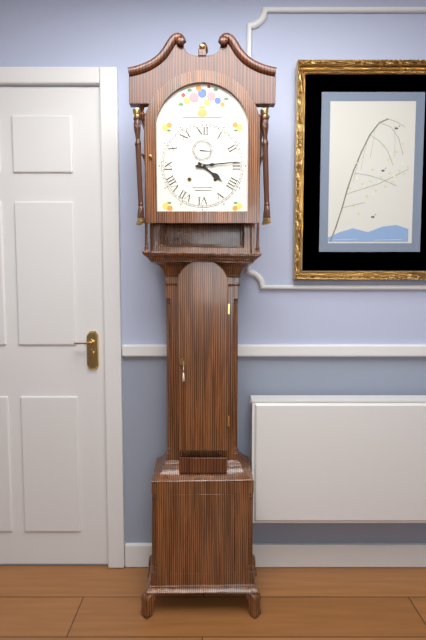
4,14
